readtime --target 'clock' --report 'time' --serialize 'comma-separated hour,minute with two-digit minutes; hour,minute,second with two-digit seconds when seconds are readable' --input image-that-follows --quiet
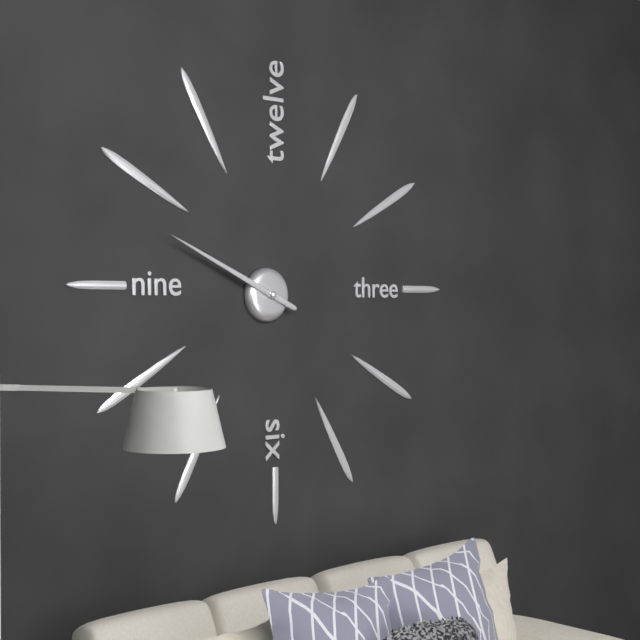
9,49
